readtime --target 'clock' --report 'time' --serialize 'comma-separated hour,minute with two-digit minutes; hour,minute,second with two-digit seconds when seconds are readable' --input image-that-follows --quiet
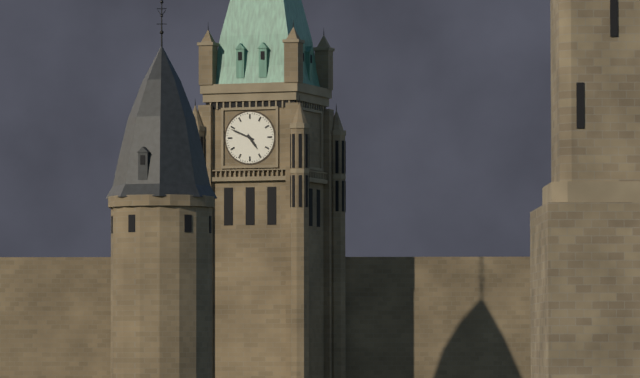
4,49
